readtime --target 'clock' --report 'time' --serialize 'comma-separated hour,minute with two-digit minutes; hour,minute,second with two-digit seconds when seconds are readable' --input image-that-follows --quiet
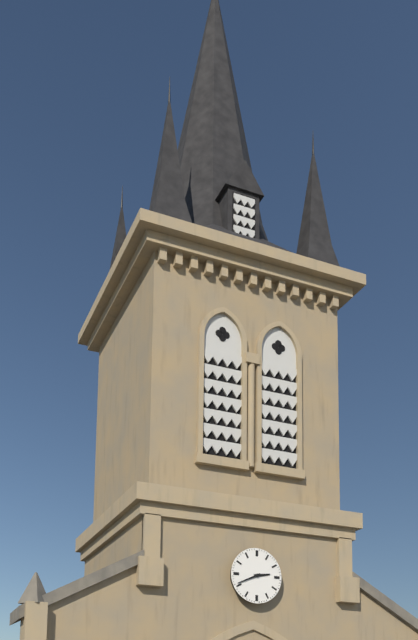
2,41
